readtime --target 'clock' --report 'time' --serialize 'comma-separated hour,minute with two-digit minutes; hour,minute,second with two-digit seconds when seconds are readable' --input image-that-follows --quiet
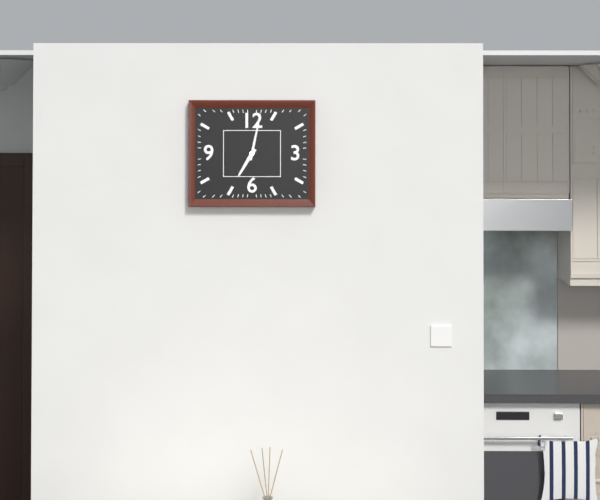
7,02
